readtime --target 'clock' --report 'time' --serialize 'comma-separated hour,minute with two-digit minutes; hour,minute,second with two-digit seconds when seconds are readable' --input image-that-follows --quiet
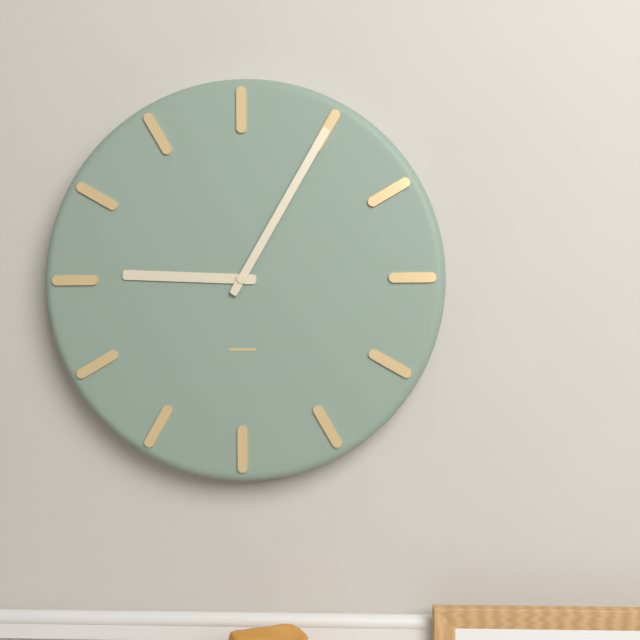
9,05
